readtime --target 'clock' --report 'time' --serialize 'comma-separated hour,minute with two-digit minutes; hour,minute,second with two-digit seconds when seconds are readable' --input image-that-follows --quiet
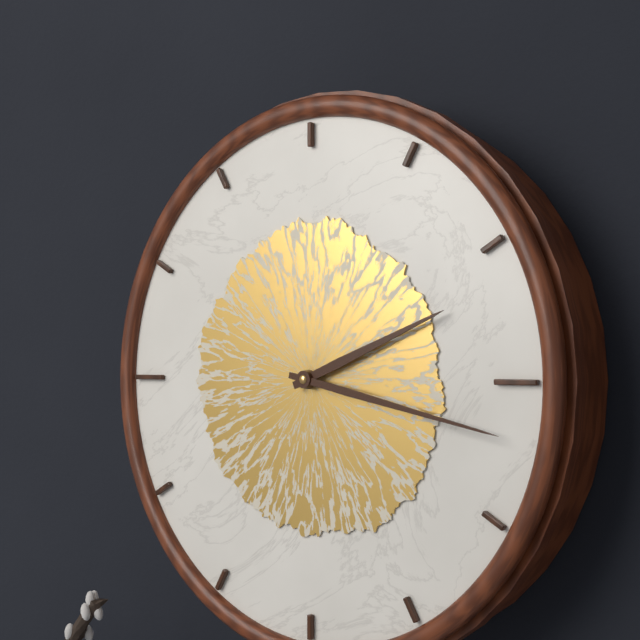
2,17
